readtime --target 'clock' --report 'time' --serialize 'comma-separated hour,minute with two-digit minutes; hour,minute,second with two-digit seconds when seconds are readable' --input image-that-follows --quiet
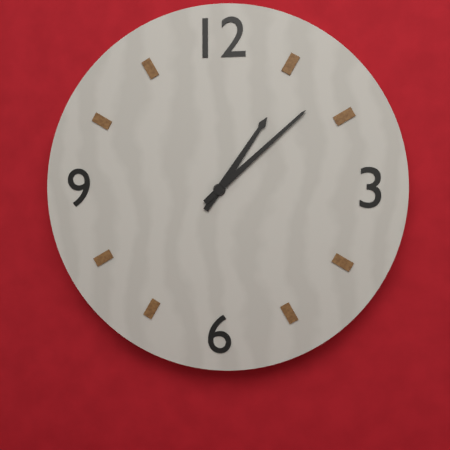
1,08
